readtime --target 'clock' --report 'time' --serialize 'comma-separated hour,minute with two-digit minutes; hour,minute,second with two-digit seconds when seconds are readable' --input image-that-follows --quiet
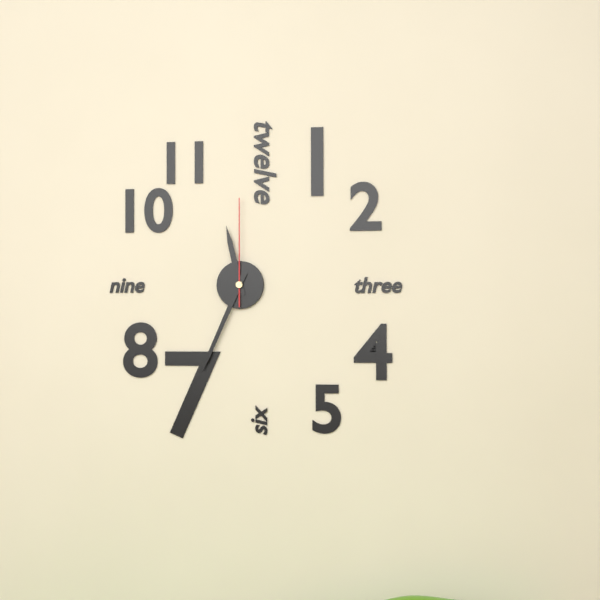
11,34,00
